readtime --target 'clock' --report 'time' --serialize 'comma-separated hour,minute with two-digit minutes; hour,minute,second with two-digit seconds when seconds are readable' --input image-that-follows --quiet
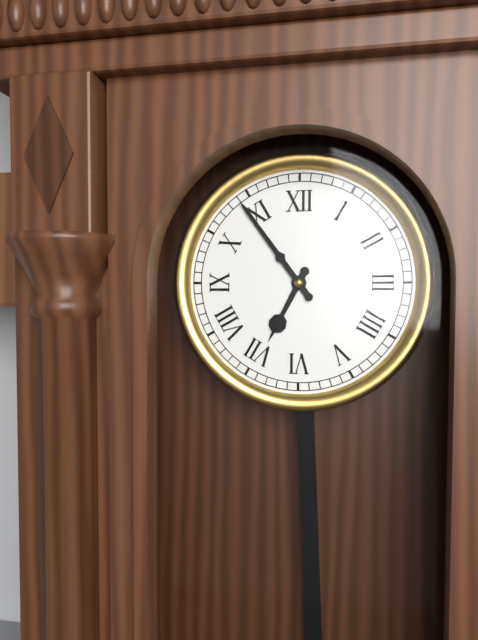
6,54
